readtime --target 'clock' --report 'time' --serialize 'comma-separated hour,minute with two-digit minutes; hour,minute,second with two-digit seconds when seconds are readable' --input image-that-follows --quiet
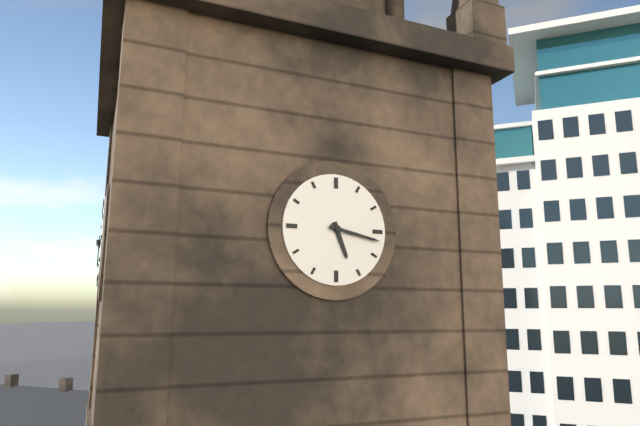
5,17
